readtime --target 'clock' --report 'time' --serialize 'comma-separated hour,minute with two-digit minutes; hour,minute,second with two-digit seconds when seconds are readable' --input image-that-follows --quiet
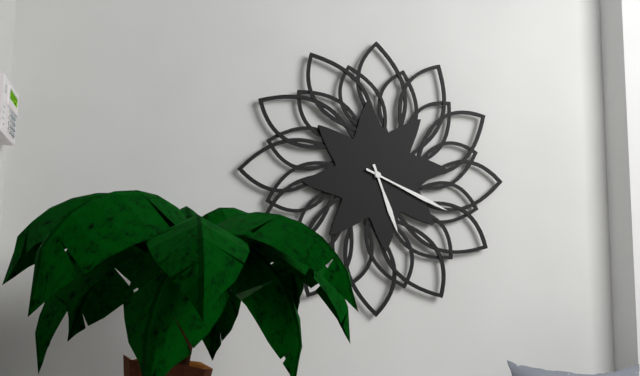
5,19
